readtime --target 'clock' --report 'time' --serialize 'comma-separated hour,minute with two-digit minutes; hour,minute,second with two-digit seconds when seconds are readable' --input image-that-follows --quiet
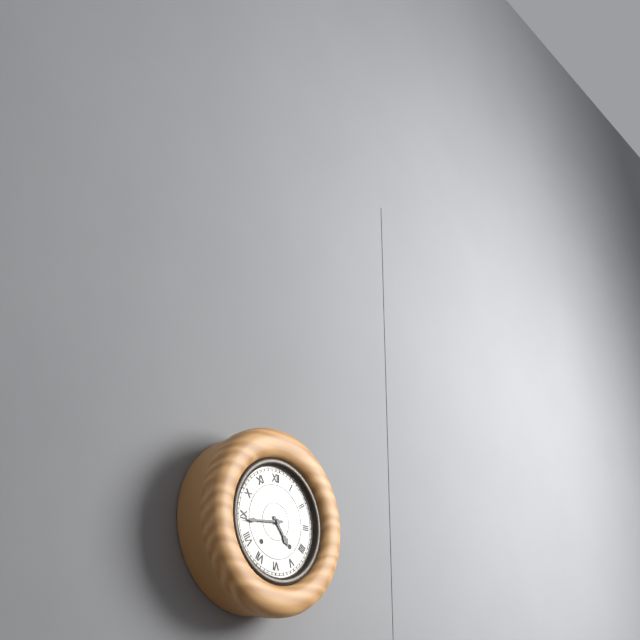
4,44
